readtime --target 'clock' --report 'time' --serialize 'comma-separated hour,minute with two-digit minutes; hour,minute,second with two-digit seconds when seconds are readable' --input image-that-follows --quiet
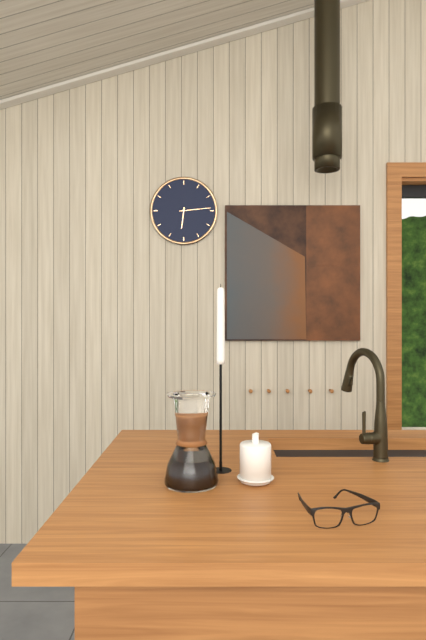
6,14
